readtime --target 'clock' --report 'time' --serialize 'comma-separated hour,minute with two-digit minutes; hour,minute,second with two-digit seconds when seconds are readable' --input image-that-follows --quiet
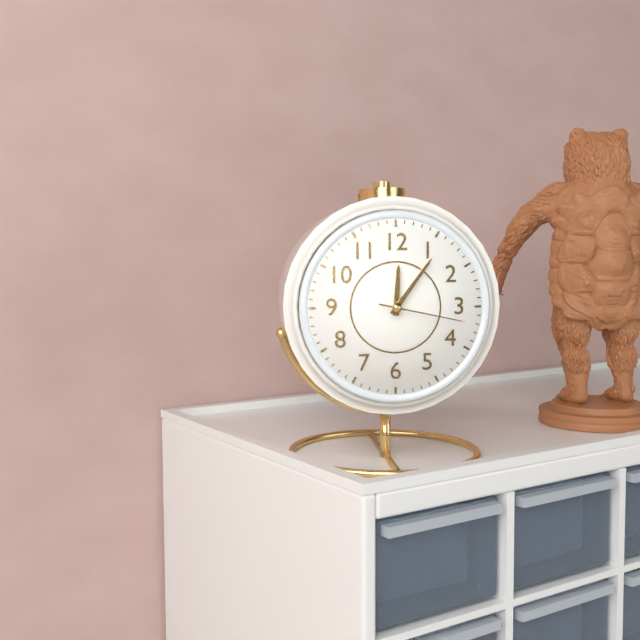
12,06,17
